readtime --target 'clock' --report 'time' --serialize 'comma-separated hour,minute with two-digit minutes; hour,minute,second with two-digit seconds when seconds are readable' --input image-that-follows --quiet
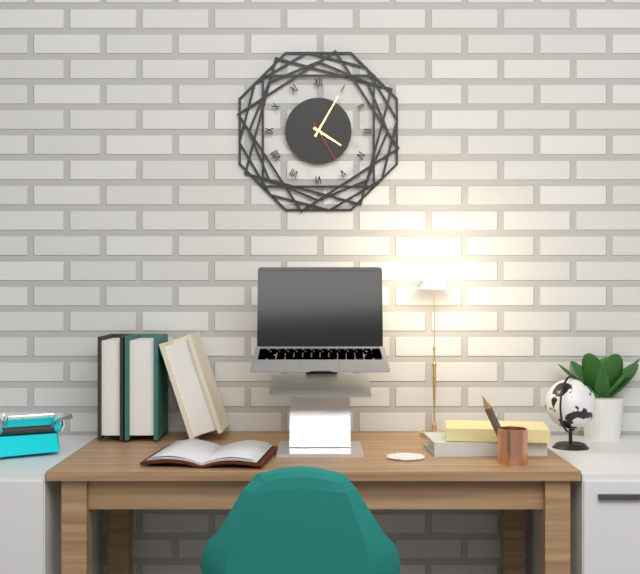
4,05
